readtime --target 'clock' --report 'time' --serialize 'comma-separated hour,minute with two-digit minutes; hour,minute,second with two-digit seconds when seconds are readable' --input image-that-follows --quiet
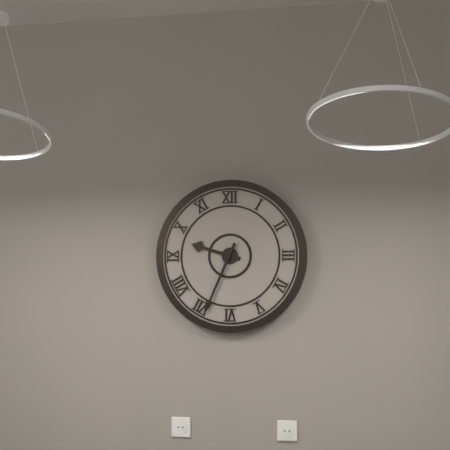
9,34
